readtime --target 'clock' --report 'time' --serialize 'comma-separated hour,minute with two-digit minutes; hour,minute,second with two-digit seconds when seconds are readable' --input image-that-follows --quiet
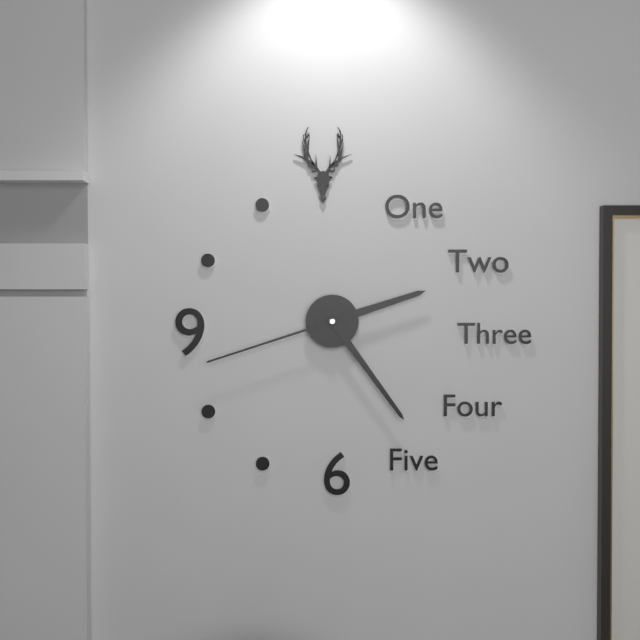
2,24,42
